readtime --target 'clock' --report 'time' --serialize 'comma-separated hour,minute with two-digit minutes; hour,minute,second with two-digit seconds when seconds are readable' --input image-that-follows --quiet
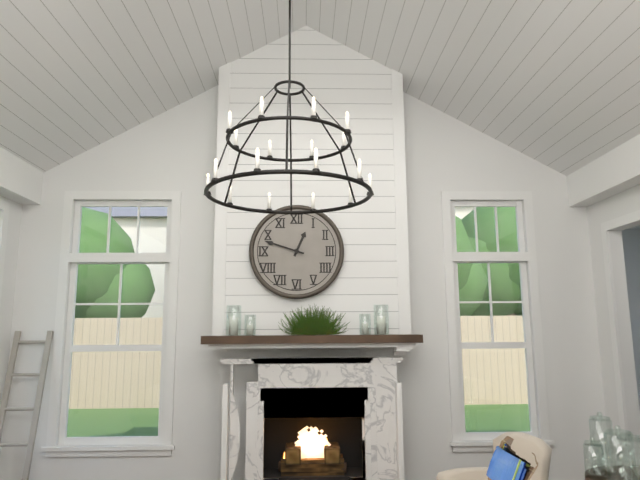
12,48
